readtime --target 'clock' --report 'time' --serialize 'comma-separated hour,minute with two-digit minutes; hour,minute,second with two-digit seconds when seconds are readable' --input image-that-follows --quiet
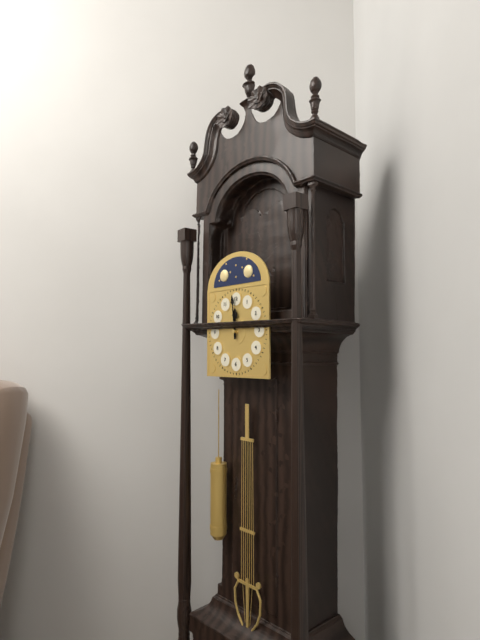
11,59
